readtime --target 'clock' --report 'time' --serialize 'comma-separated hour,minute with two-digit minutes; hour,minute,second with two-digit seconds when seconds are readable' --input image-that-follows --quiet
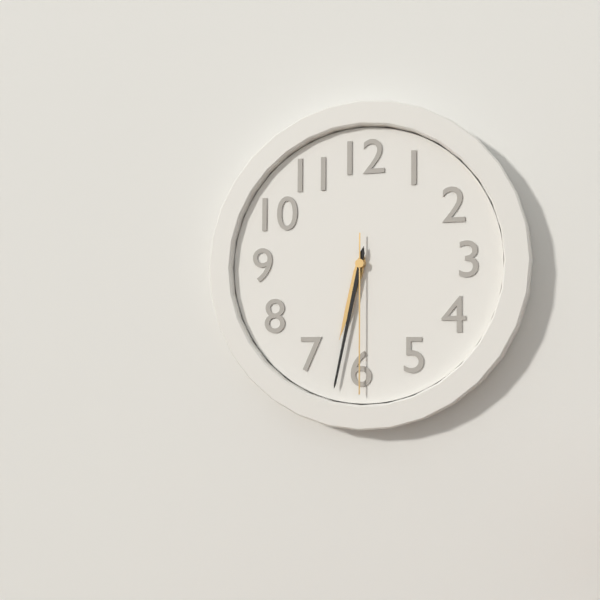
6,32,30
